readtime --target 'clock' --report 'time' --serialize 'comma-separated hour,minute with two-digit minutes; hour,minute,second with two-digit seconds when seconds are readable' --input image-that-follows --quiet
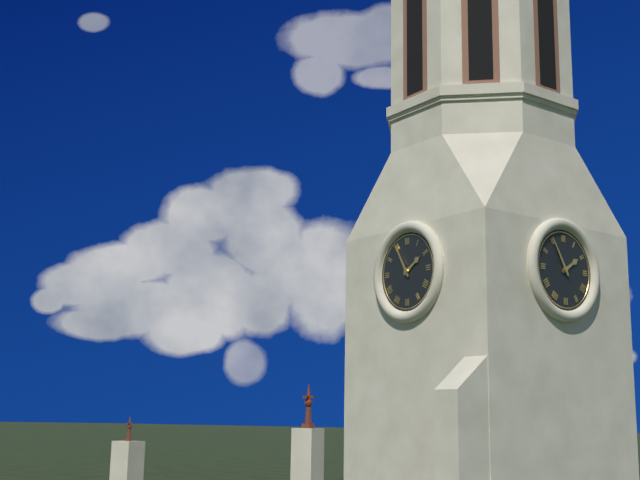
1,55
